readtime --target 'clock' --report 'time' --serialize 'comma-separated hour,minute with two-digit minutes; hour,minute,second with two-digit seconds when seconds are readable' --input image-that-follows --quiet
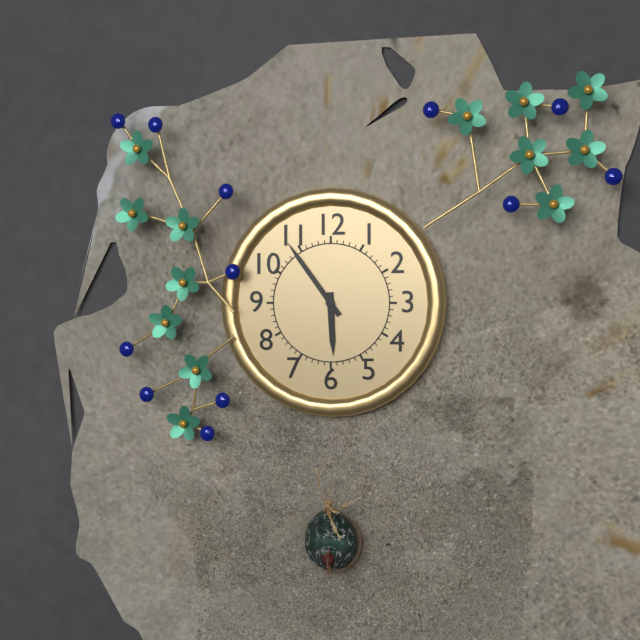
5,54
